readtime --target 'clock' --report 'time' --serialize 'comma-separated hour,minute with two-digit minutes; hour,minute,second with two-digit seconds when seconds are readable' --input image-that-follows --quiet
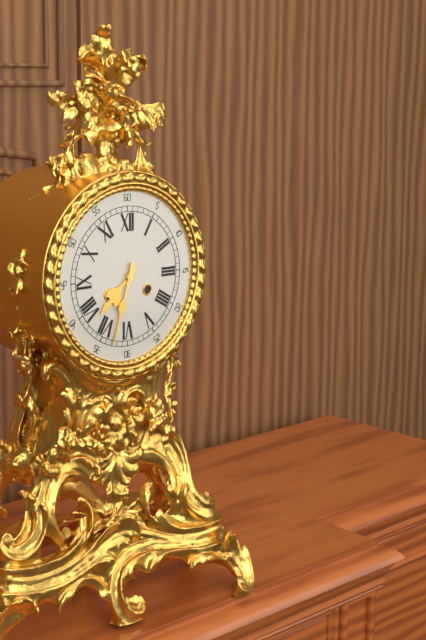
7,33
